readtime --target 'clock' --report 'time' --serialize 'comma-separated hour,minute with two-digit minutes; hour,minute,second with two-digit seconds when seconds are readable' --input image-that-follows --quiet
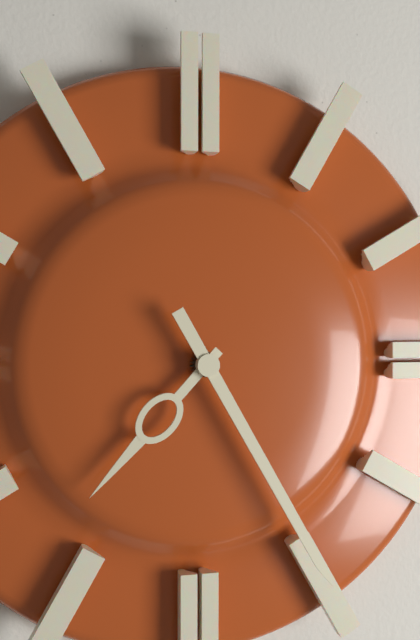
7,25
